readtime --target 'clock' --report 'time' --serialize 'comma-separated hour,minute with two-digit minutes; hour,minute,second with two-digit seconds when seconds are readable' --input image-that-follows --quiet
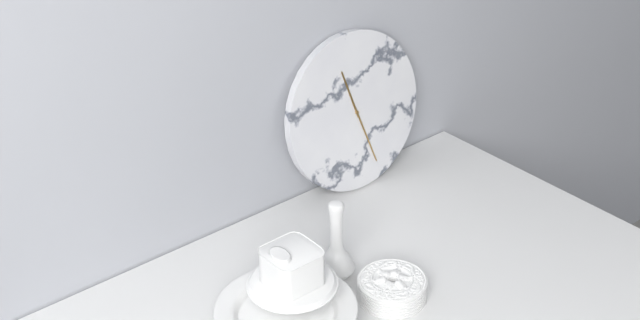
11,27
